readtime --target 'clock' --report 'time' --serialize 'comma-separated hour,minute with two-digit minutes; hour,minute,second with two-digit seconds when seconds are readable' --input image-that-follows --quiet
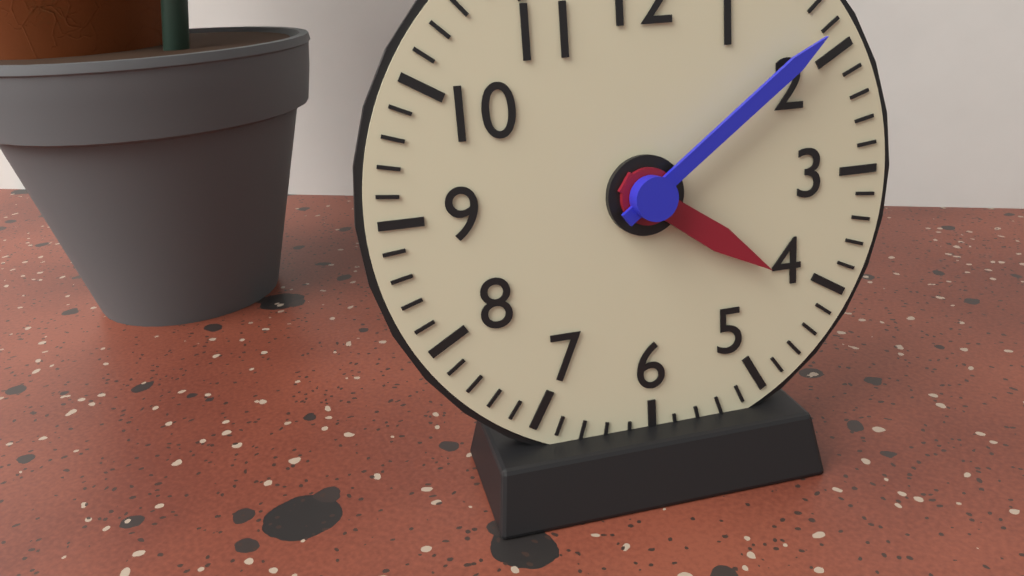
4,09
